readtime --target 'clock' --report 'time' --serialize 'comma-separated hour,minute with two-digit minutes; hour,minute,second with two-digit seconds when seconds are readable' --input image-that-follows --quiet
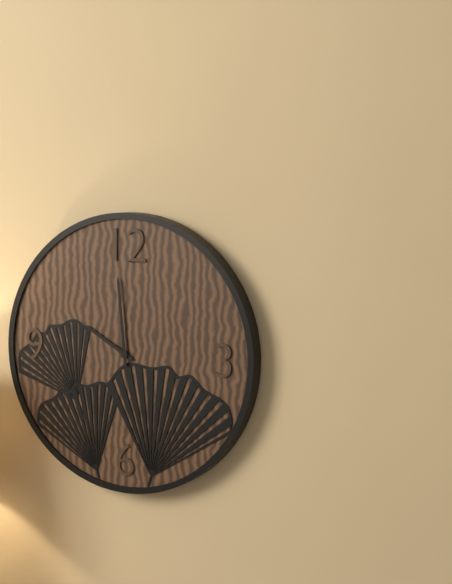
9,59
